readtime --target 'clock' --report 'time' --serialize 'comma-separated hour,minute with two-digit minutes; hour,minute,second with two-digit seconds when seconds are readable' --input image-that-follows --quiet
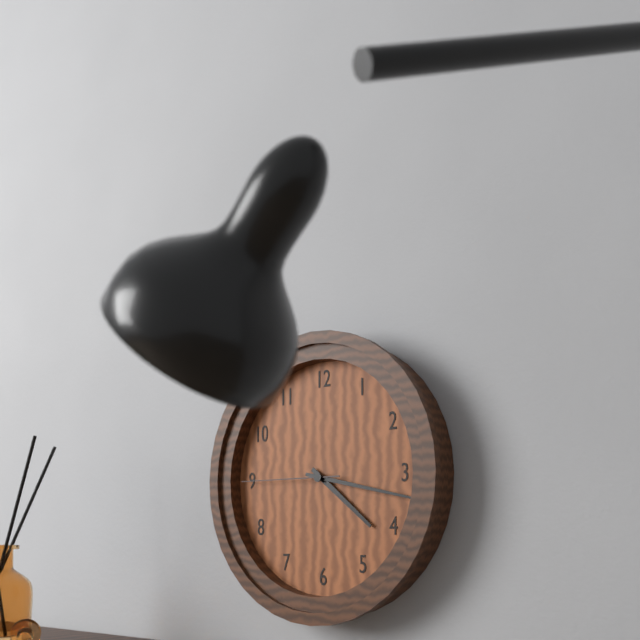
4,17,45
